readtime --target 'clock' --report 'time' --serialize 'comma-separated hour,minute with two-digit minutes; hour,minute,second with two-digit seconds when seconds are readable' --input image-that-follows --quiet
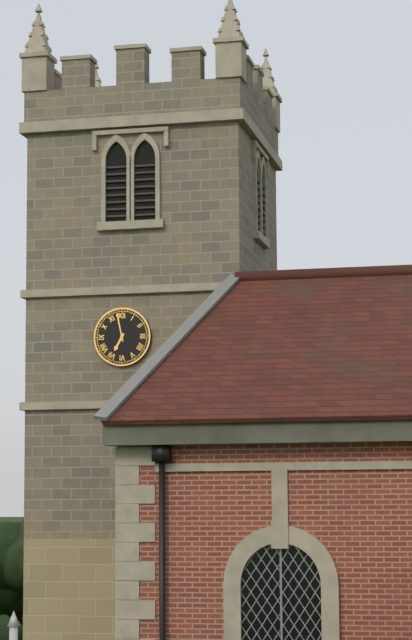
6,58
